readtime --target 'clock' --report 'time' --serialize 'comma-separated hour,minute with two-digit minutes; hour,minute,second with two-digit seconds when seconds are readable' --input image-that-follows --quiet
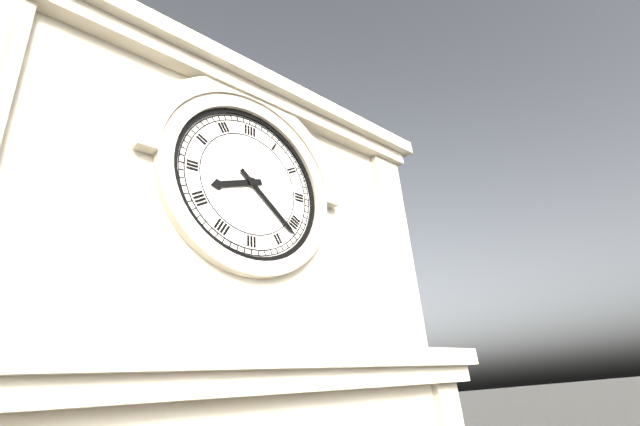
8,22
